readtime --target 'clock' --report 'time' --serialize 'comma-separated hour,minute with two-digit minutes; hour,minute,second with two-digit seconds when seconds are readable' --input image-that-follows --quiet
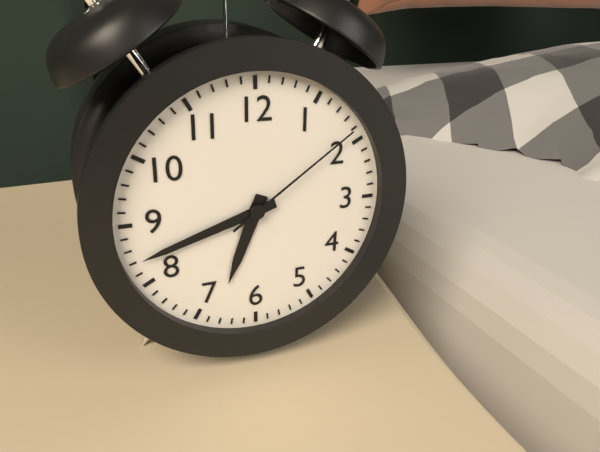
6,42,09
